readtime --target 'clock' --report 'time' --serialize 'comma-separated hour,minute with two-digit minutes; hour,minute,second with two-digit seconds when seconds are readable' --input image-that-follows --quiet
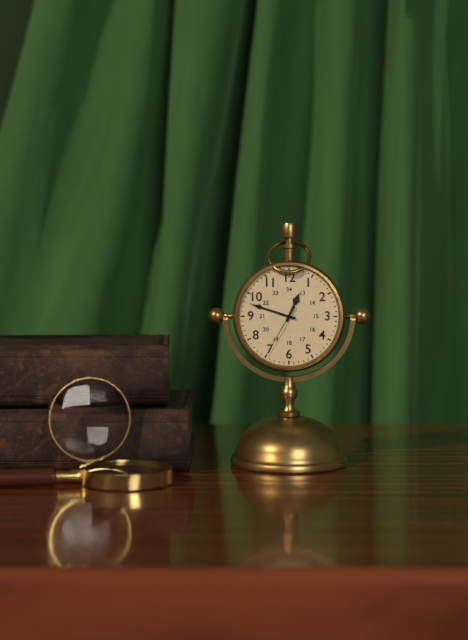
12,48,35
